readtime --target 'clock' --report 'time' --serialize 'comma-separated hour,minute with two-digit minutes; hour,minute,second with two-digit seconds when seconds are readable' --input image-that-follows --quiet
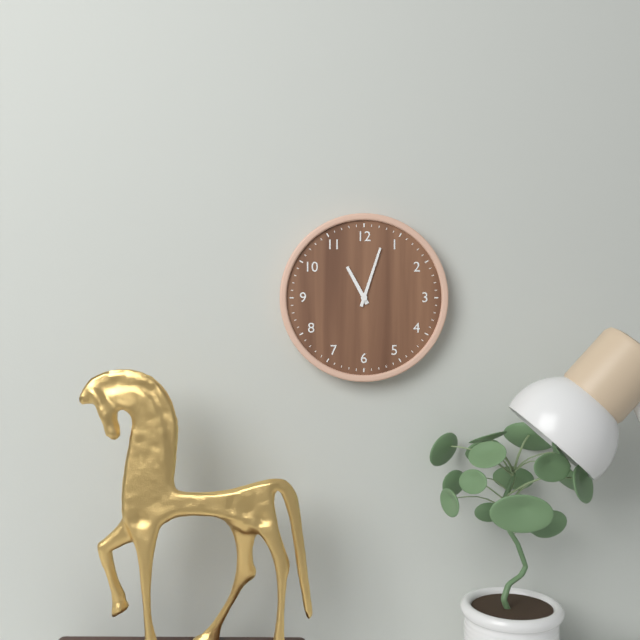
11,03
